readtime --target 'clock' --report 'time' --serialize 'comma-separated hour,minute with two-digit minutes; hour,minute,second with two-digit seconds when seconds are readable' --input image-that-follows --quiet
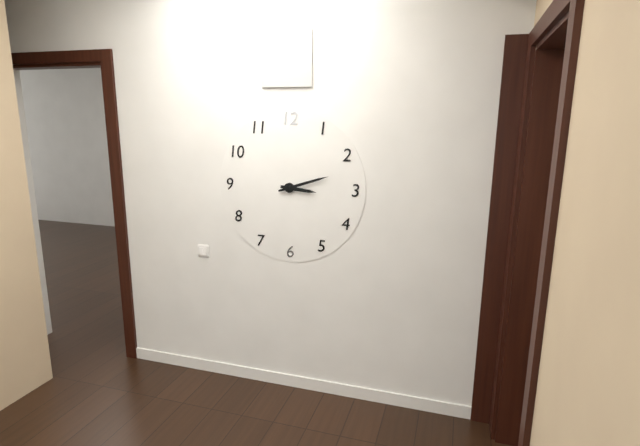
3,12
